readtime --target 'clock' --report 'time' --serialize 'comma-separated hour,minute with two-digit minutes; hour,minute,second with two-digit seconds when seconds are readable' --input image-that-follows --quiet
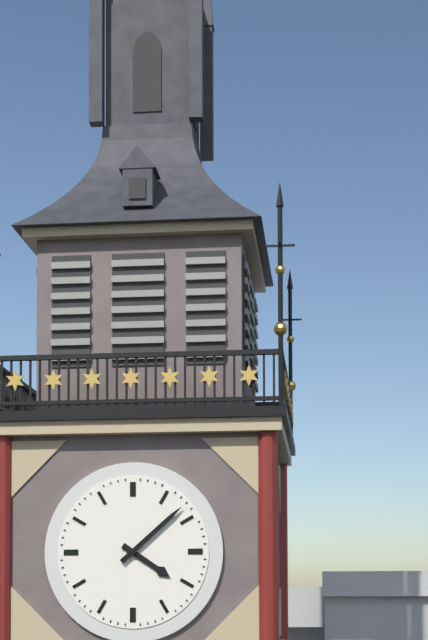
4,08
